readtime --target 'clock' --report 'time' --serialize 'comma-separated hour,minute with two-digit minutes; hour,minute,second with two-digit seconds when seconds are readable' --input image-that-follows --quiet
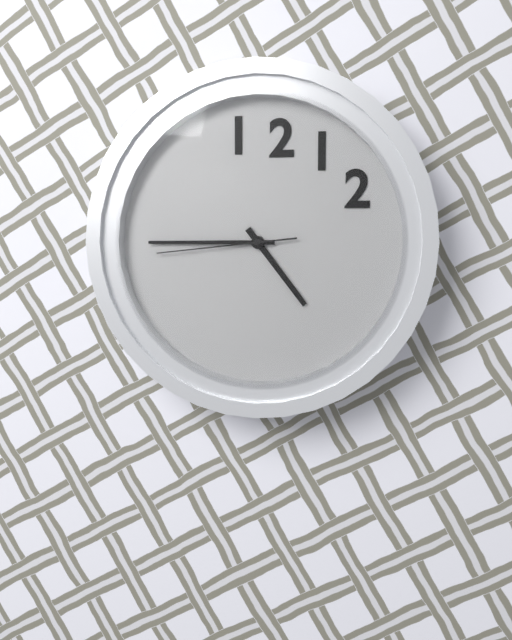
4,45,44
